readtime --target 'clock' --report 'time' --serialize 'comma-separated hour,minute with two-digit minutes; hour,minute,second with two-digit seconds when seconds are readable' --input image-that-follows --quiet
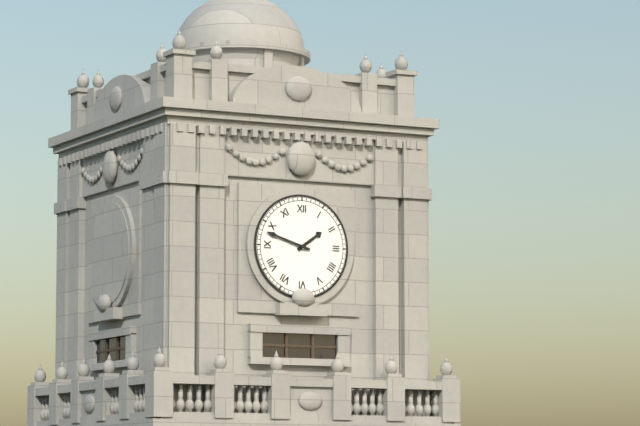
1,48
